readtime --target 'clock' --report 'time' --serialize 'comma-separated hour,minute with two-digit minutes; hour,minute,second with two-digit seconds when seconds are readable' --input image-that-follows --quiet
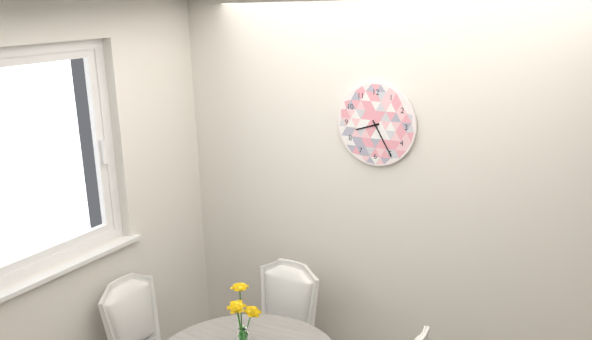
8,25
